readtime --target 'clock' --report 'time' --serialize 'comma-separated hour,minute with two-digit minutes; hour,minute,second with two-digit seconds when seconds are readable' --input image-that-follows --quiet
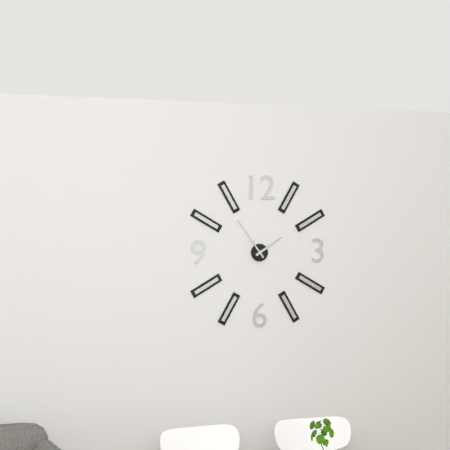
1,54
